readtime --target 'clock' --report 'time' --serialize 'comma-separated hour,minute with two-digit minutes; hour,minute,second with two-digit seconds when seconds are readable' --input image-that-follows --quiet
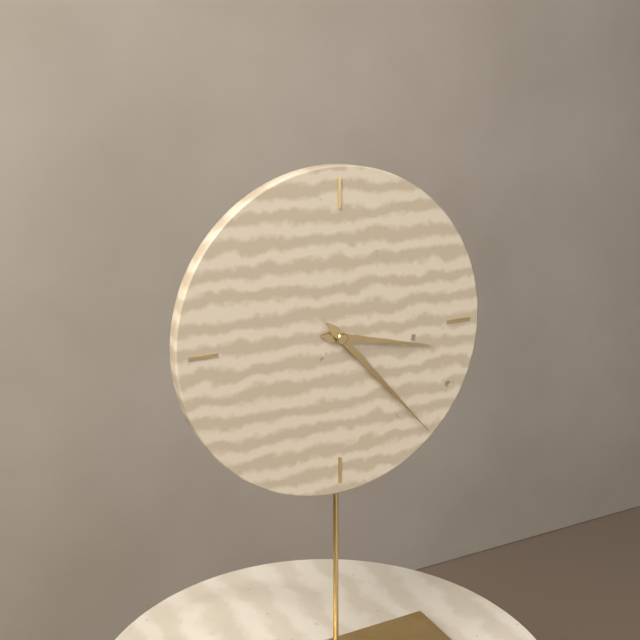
3,23
